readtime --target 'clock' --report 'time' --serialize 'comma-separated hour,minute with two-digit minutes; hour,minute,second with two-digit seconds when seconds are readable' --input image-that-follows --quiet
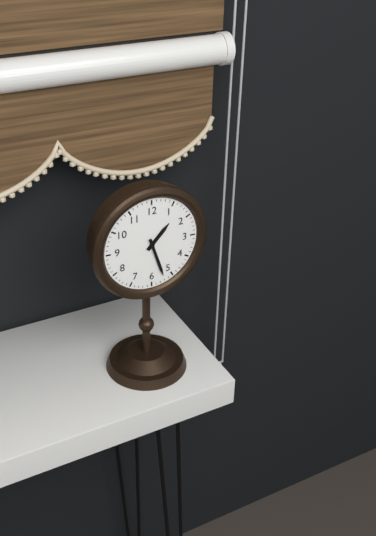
1,27
